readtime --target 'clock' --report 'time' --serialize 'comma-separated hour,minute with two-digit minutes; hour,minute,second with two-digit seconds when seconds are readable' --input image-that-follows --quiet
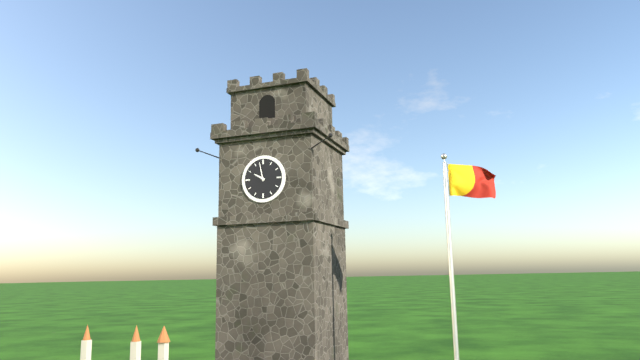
9,58
